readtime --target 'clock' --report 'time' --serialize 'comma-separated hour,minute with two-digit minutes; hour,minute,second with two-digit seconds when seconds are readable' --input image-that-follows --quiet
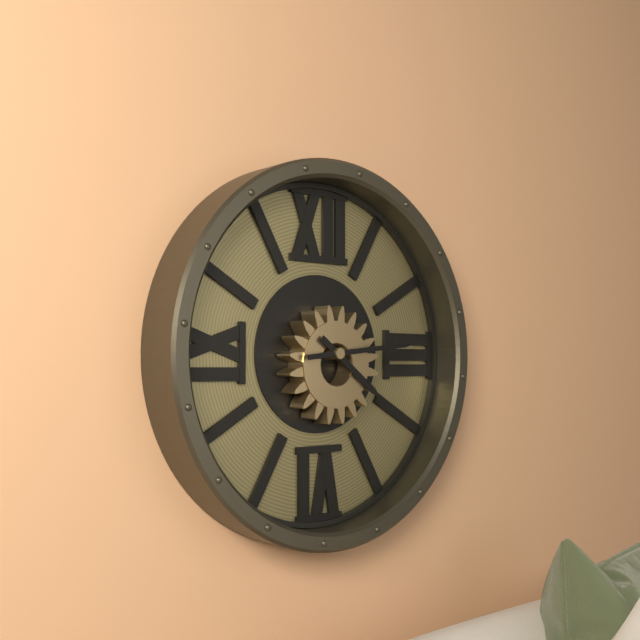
4,14
